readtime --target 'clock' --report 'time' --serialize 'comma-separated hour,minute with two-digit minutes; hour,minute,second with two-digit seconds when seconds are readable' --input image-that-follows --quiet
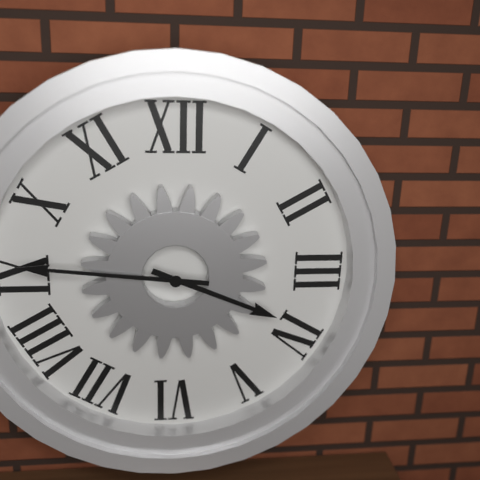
3,46
